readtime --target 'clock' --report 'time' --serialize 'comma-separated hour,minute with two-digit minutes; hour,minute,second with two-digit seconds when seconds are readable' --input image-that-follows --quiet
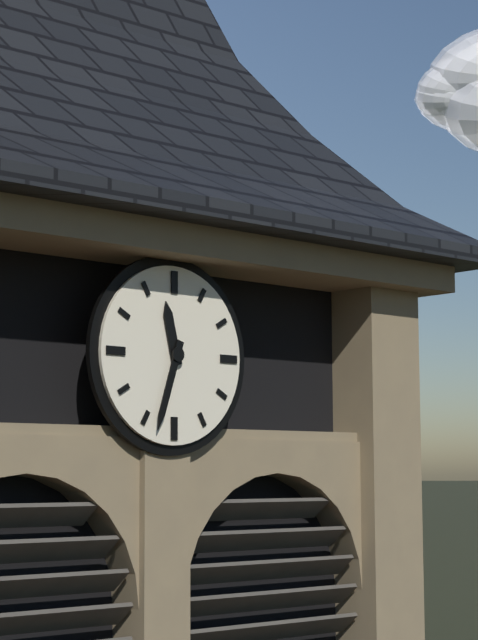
11,33
